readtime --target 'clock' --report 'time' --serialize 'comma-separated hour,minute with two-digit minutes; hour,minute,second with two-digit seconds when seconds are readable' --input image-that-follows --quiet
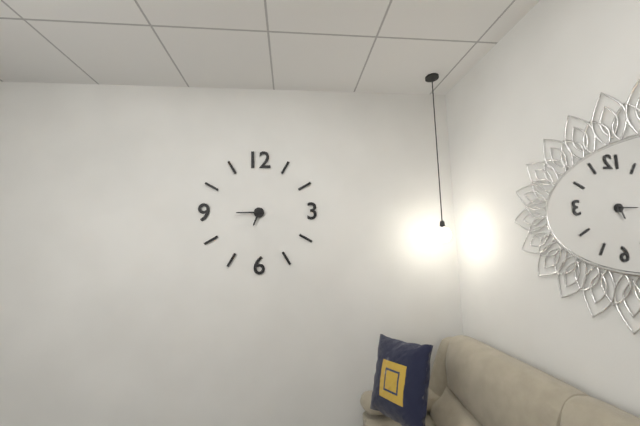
6,45
